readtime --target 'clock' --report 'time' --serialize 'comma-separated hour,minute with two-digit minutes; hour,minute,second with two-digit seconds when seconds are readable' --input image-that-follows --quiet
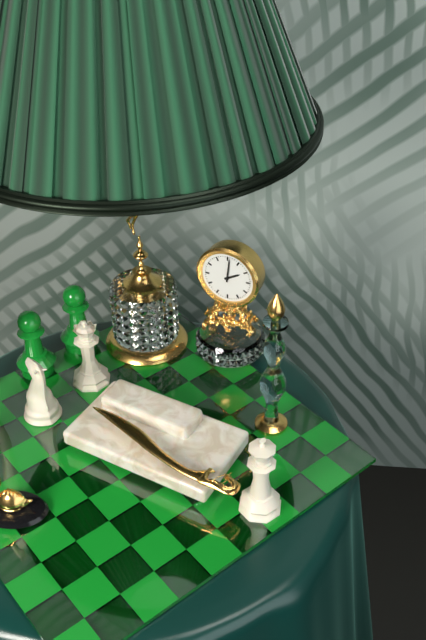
2,01
